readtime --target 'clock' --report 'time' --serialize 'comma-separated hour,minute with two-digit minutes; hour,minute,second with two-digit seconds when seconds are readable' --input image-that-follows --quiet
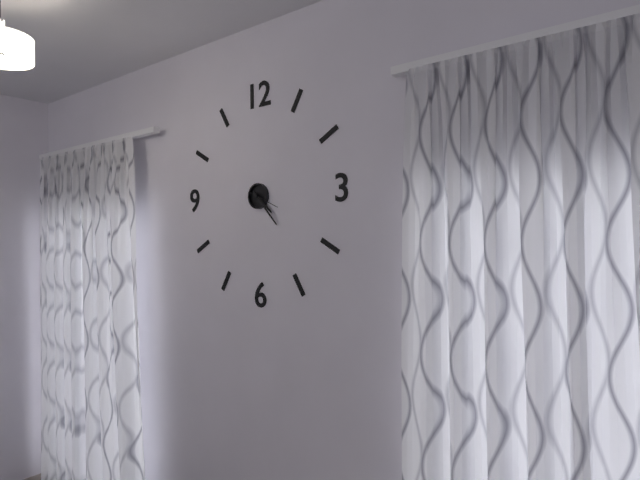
4,23
